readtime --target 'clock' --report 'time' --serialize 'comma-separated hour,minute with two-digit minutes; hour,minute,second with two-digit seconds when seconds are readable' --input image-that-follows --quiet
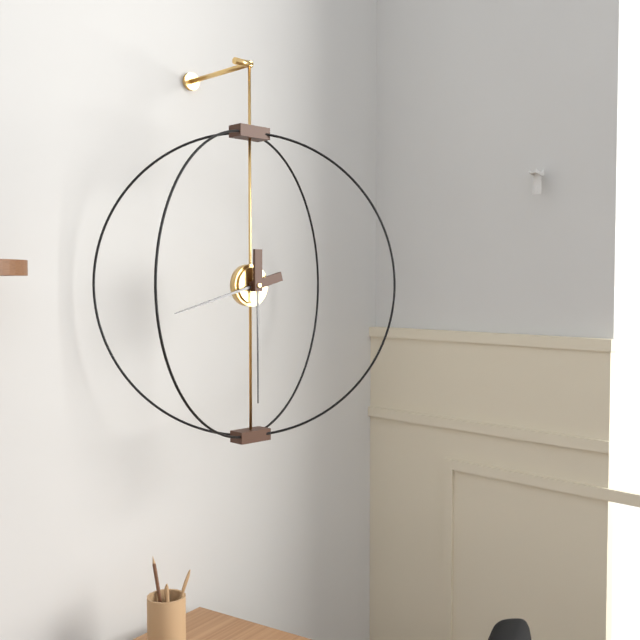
8,30
